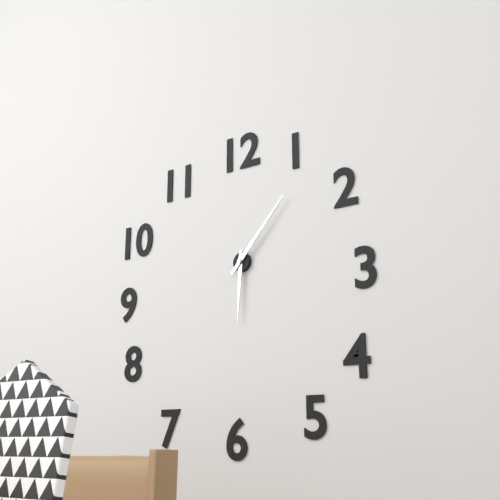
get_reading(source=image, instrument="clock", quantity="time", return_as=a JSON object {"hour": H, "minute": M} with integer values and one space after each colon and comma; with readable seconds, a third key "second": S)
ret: {"hour": 6, "minute": 7}
